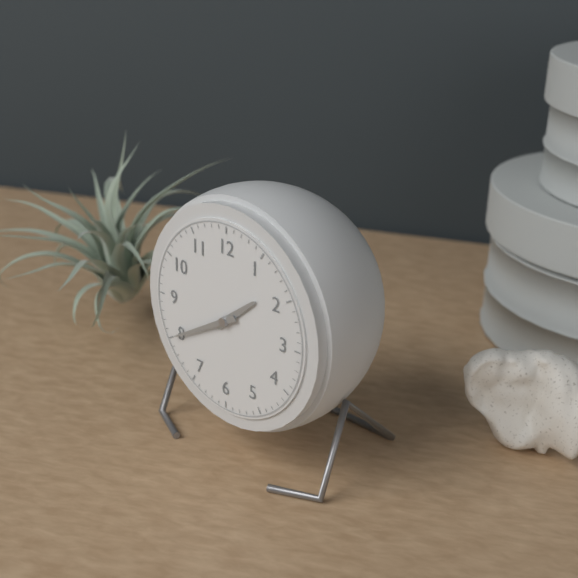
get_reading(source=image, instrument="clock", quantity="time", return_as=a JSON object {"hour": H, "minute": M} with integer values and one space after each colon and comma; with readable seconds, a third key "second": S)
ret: {"hour": 1, "minute": 40}
